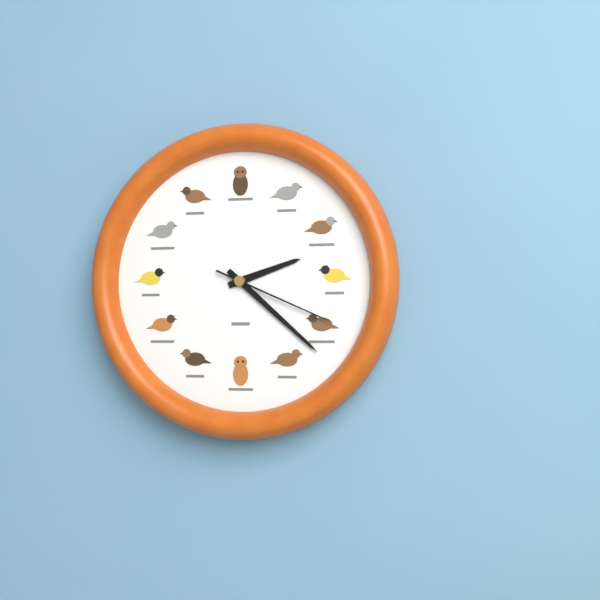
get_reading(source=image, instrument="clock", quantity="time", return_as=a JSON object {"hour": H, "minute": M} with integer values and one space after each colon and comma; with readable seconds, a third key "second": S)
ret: {"hour": 2, "minute": 22, "second": 19}
